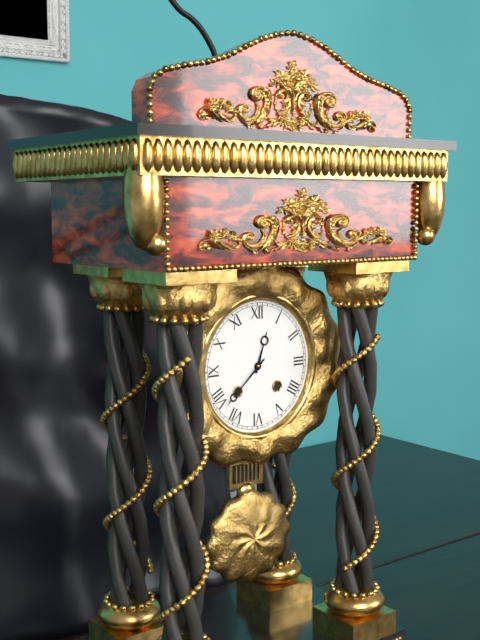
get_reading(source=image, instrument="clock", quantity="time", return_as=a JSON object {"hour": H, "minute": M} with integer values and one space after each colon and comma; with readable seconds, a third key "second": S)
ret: {"hour": 12, "minute": 38}
